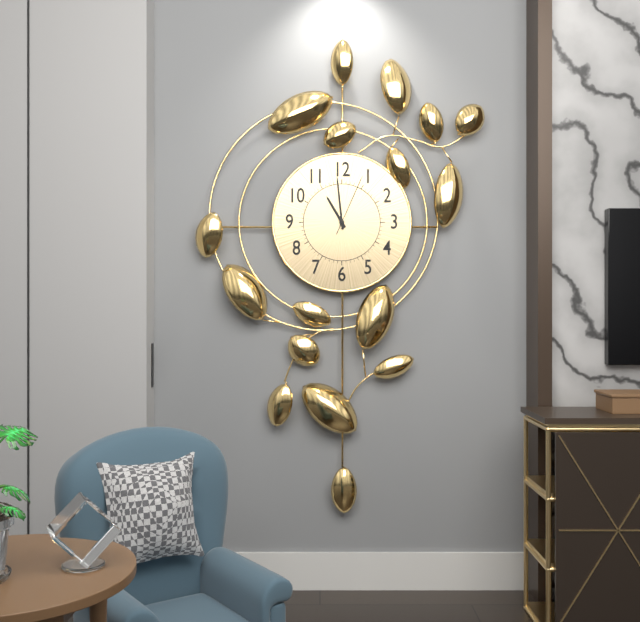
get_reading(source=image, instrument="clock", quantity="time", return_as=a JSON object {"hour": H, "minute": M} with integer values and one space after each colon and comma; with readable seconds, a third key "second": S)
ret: {"hour": 10, "minute": 59, "second": 4}
